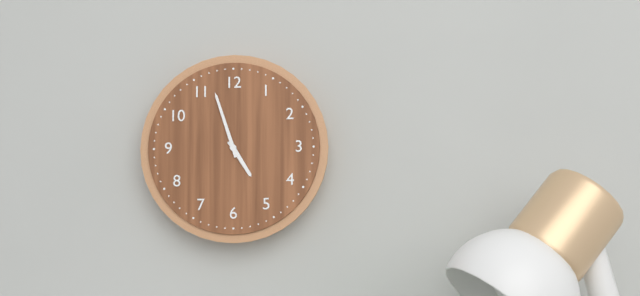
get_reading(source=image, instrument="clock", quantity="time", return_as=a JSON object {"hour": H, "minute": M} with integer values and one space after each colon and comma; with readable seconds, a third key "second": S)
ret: {"hour": 4, "minute": 57}
